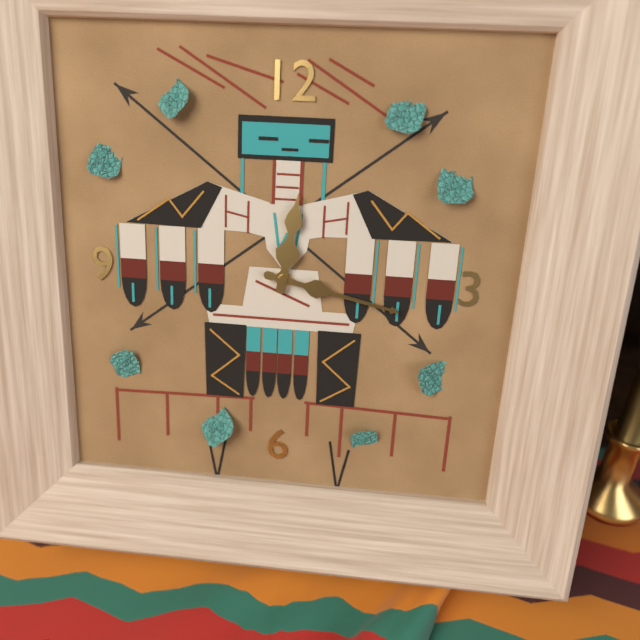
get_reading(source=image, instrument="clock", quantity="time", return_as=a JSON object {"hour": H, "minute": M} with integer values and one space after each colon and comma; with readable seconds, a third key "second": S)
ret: {"hour": 12, "minute": 17}
